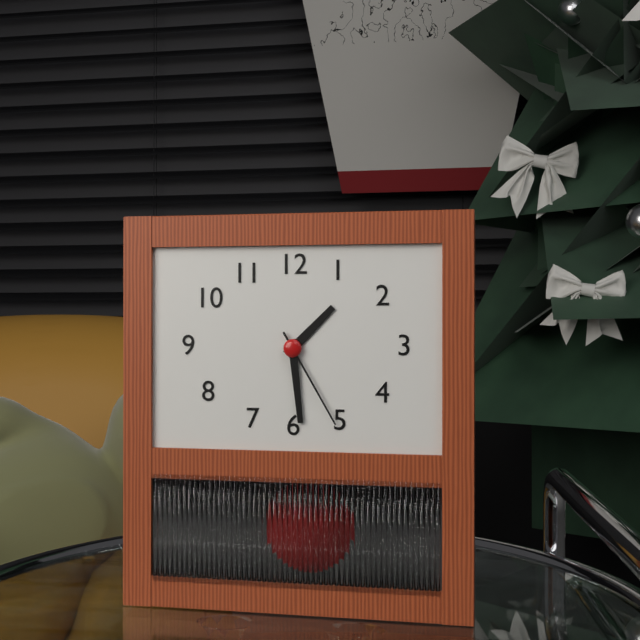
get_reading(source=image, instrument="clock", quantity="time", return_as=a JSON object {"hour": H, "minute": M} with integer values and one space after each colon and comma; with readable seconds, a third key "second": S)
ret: {"hour": 1, "minute": 29, "second": 25}
